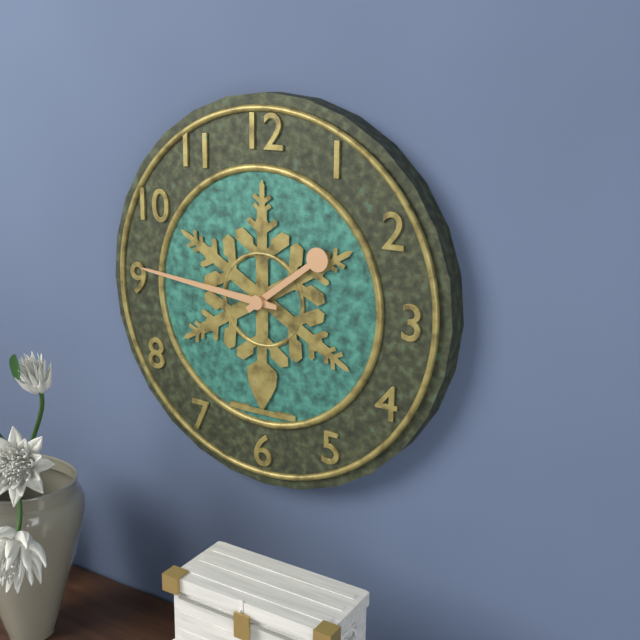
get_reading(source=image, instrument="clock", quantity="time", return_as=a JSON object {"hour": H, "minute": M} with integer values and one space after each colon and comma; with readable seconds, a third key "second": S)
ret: {"hour": 1, "minute": 46}
